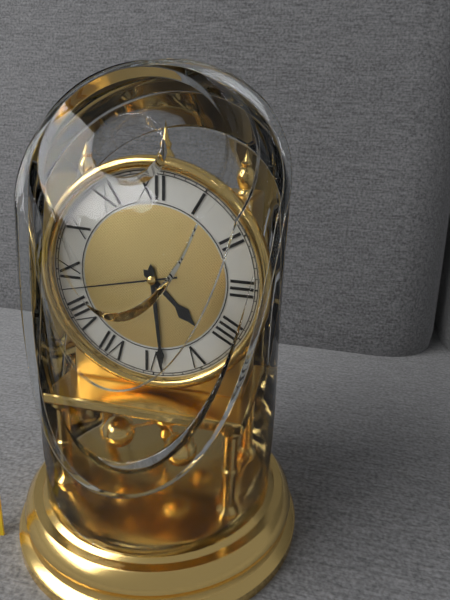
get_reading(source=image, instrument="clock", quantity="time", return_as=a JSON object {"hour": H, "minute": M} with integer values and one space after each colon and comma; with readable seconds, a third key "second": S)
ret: {"hour": 4, "minute": 29, "second": 43}
